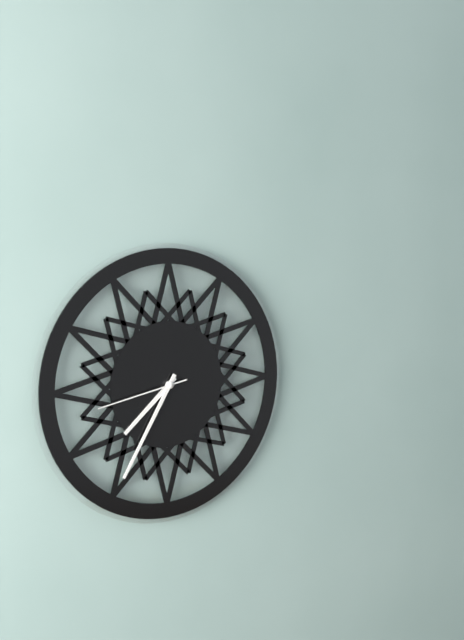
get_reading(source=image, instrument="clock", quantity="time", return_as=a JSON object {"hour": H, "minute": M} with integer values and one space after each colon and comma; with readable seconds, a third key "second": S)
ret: {"hour": 7, "minute": 35, "second": 43}
